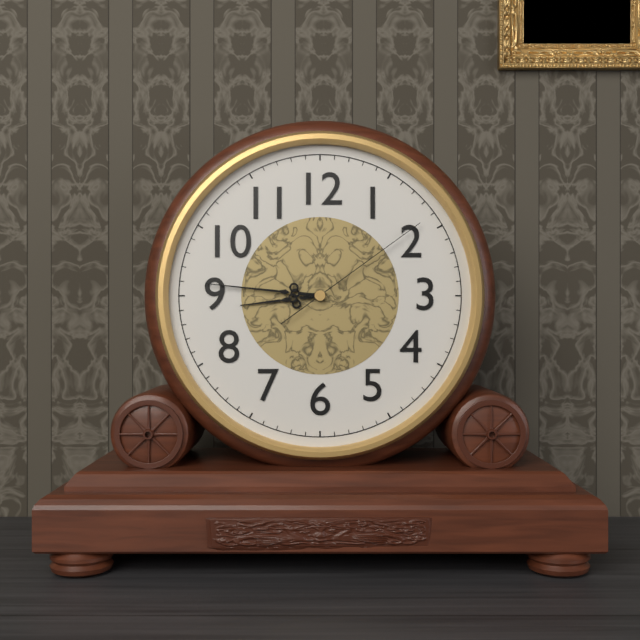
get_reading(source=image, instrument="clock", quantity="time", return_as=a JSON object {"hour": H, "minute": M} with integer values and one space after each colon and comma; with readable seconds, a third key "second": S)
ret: {"hour": 8, "minute": 46, "second": 9}
